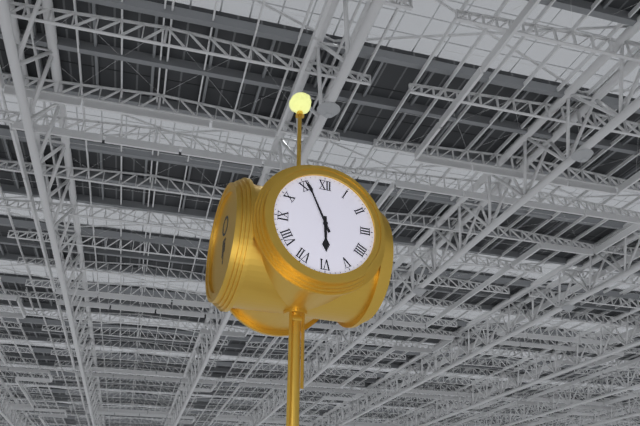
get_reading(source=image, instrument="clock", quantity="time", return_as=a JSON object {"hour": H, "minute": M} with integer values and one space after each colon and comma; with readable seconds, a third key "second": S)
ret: {"hour": 5, "minute": 56}
